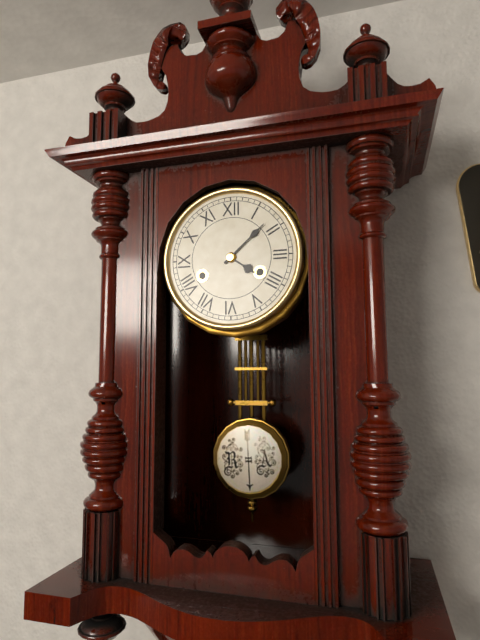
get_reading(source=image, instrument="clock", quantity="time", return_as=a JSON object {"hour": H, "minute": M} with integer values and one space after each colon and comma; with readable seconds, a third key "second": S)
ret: {"hour": 4, "minute": 8}
